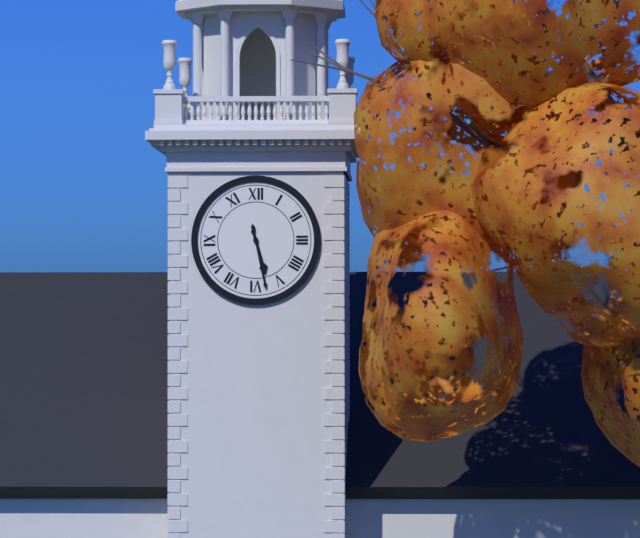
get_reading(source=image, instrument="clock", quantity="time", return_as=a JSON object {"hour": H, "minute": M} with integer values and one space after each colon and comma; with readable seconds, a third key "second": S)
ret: {"hour": 5, "minute": 28}
